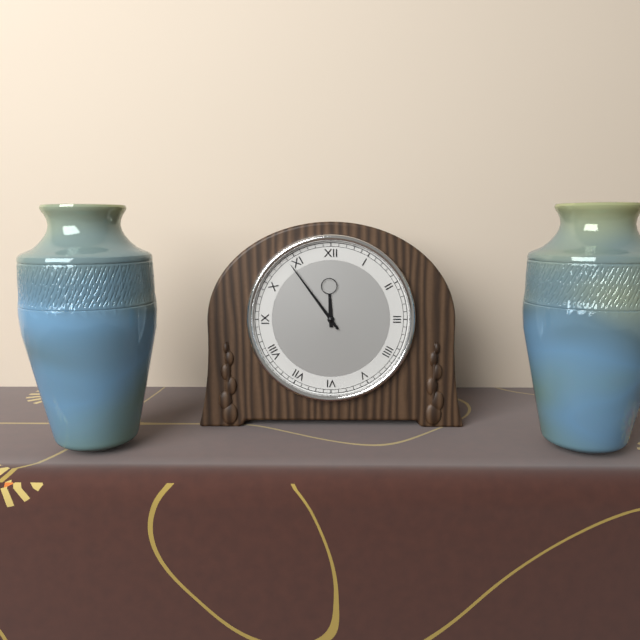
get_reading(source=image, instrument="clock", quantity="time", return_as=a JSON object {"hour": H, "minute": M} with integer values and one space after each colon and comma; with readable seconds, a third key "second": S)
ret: {"hour": 11, "minute": 54}
